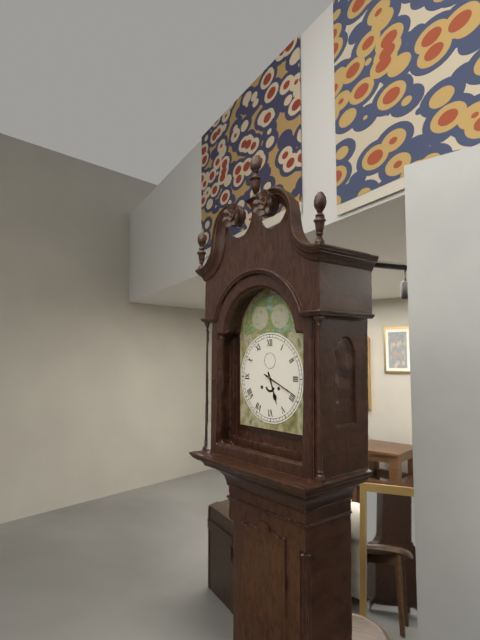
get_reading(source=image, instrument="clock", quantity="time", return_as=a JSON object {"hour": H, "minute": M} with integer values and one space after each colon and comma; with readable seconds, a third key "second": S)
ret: {"hour": 5, "minute": 19}
